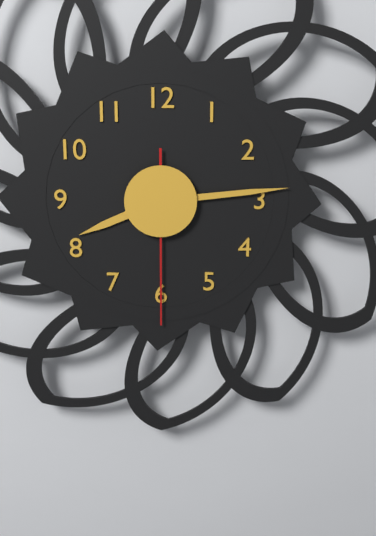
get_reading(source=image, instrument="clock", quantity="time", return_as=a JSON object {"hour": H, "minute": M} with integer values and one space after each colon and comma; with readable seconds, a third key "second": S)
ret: {"hour": 8, "minute": 14, "second": 30}
